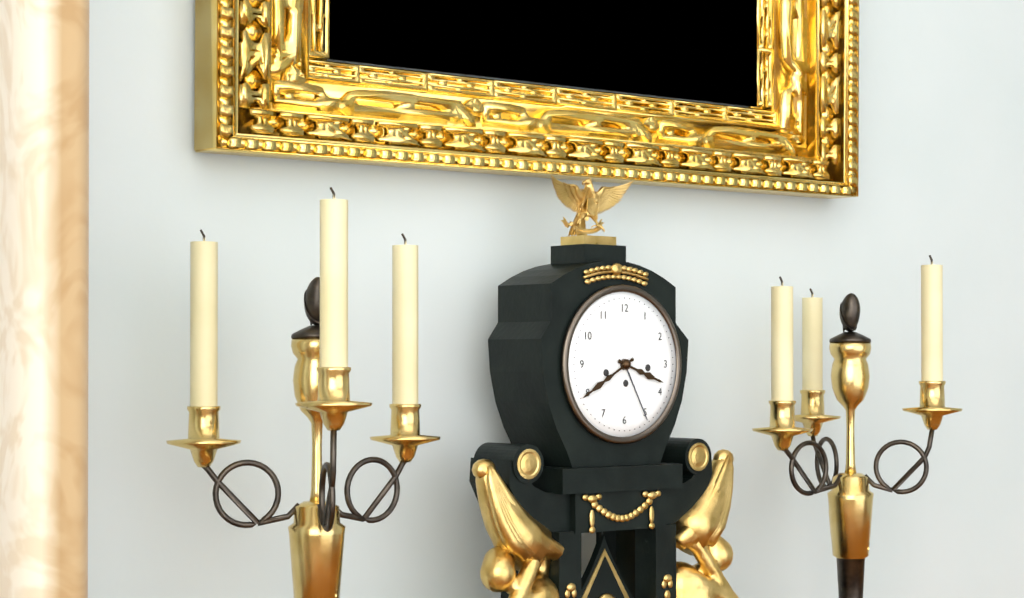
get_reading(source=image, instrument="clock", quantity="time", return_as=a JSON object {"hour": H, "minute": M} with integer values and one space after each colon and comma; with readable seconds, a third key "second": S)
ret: {"hour": 3, "minute": 40}
